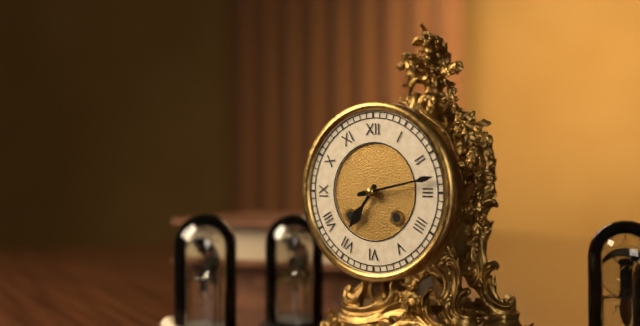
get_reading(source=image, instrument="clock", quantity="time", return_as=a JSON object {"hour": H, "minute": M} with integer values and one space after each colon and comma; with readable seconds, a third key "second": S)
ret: {"hour": 7, "minute": 13}
